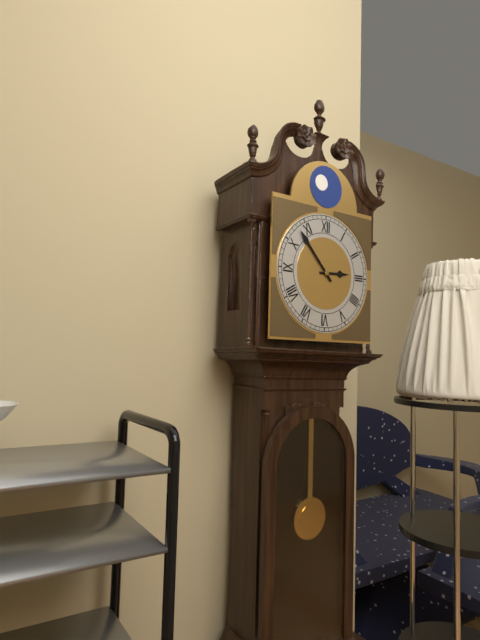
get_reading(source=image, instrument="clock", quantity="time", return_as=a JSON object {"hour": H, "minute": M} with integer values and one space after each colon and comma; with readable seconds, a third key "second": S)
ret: {"hour": 2, "minute": 53}
